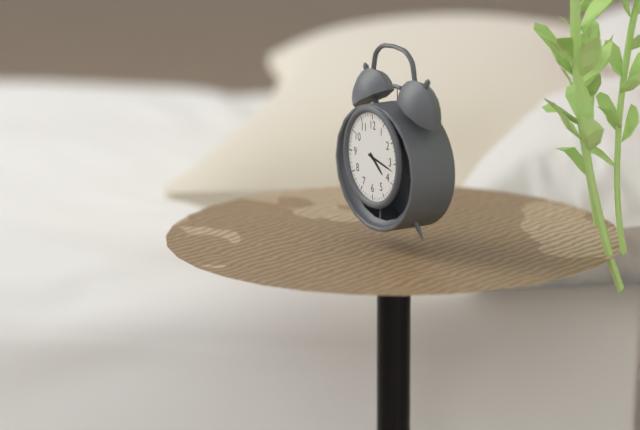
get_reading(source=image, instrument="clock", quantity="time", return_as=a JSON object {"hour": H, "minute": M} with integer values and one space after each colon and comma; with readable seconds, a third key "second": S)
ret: {"hour": 4, "minute": 17}
